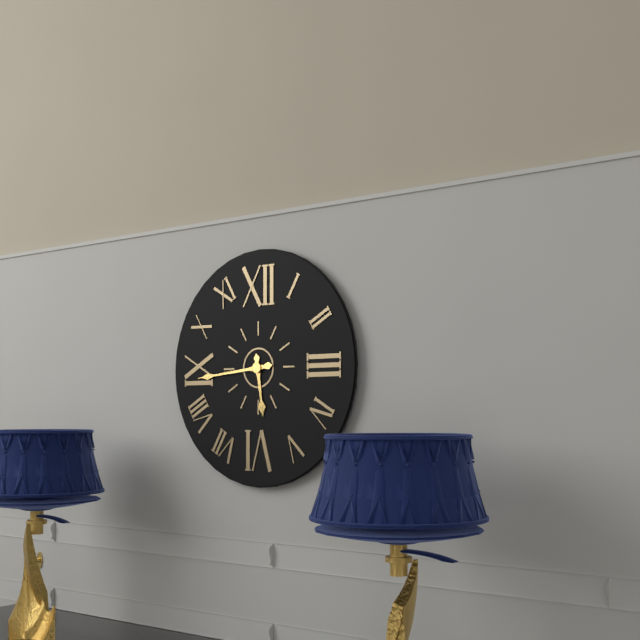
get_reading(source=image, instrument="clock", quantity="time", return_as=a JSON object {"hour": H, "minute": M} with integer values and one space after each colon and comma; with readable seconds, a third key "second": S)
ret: {"hour": 5, "minute": 44}
